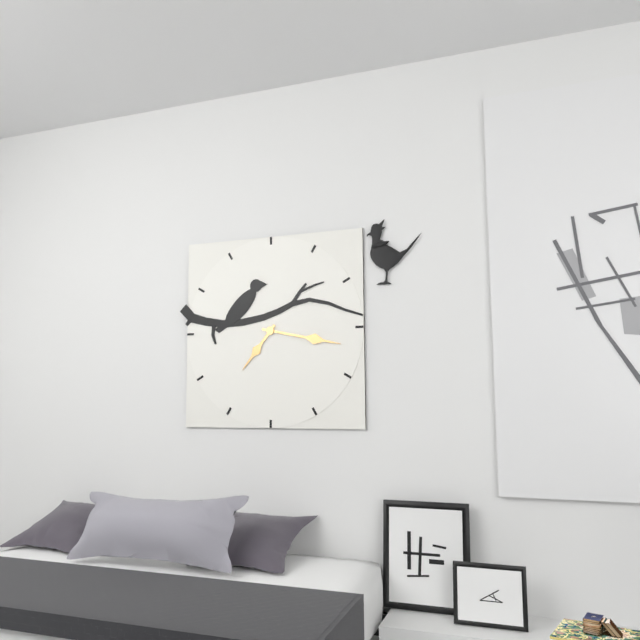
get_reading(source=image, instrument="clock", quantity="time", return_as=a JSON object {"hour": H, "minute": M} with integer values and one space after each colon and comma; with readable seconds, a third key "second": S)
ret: {"hour": 7, "minute": 17}
